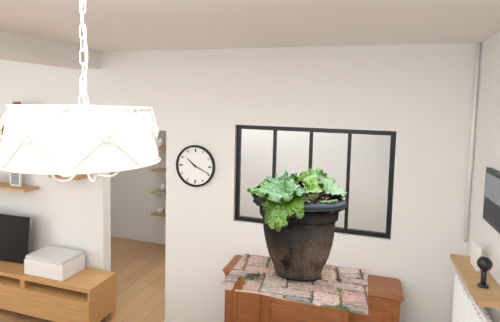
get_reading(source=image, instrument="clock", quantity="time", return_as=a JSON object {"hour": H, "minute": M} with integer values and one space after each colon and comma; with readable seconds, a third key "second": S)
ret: {"hour": 10, "minute": 19}
